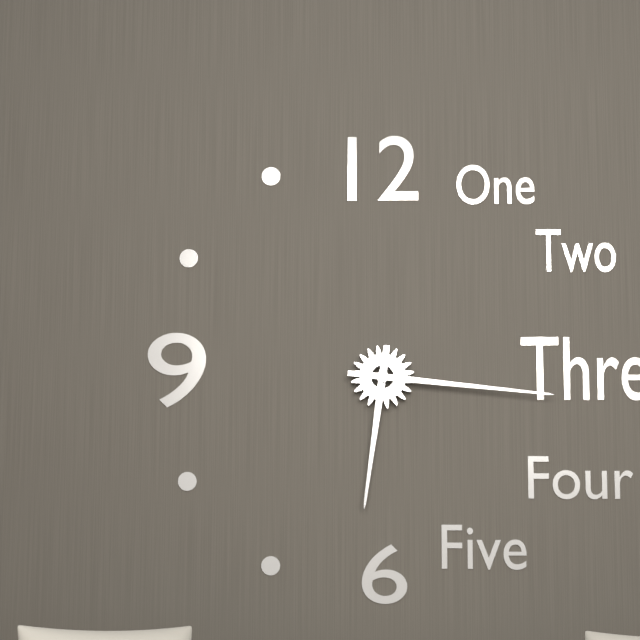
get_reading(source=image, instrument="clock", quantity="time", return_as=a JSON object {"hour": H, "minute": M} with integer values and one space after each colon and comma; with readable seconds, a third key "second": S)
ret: {"hour": 6, "minute": 16}
